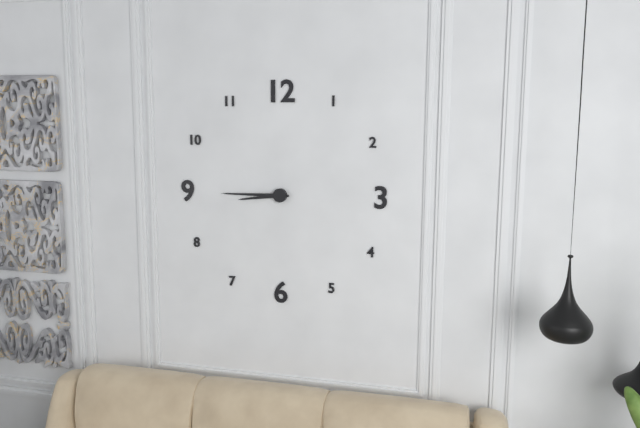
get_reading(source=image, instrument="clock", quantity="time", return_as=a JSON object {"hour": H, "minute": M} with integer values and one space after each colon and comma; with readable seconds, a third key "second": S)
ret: {"hour": 8, "minute": 45}
